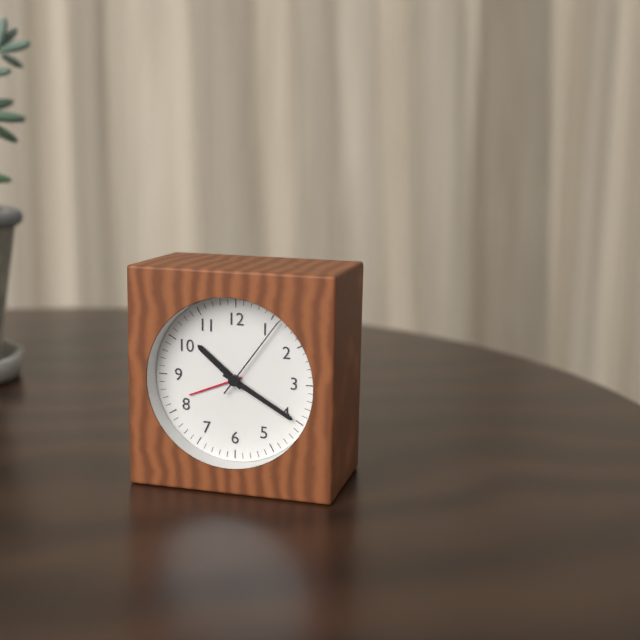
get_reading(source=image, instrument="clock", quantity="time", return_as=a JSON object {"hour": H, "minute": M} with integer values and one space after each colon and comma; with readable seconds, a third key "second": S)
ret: {"hour": 10, "minute": 20, "second": 6}
